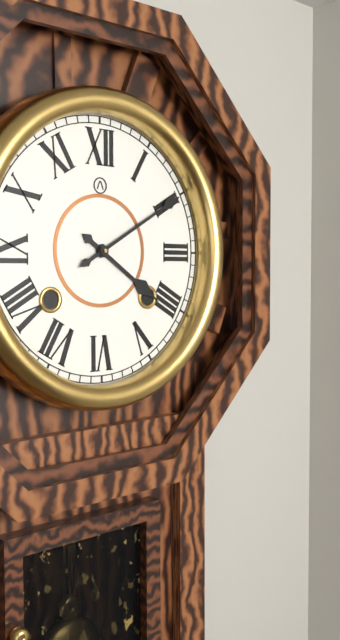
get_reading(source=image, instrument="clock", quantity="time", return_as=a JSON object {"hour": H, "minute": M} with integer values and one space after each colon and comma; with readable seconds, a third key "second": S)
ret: {"hour": 4, "minute": 10}
